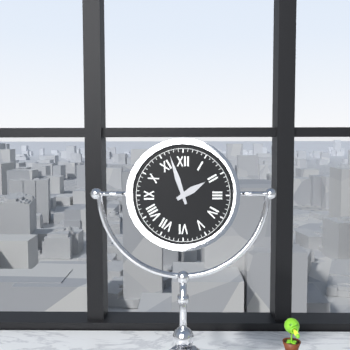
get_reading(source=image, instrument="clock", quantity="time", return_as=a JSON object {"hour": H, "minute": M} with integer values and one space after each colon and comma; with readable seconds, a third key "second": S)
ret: {"hour": 1, "minute": 57}
